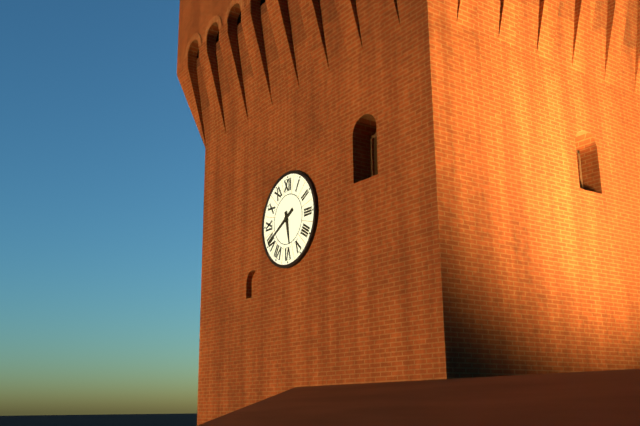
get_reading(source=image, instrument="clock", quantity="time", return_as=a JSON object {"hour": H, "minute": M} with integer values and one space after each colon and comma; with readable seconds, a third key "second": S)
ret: {"hour": 5, "minute": 40}
